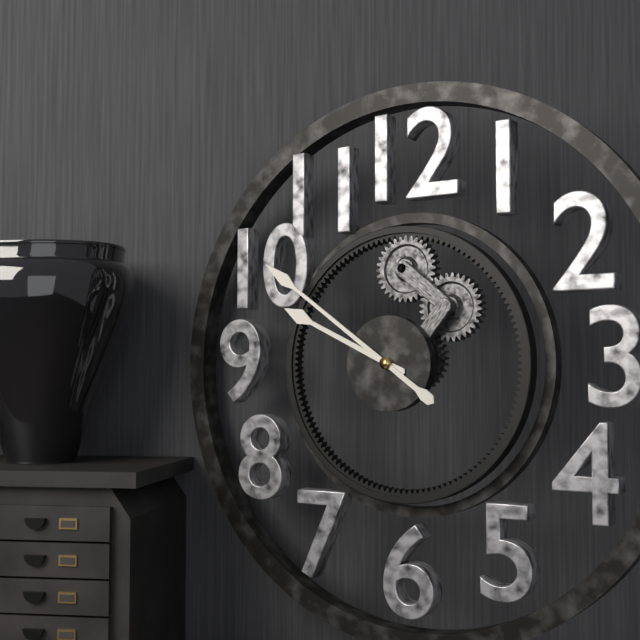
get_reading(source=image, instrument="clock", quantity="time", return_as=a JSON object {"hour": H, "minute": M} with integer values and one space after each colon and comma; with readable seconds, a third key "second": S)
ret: {"hour": 9, "minute": 51}
